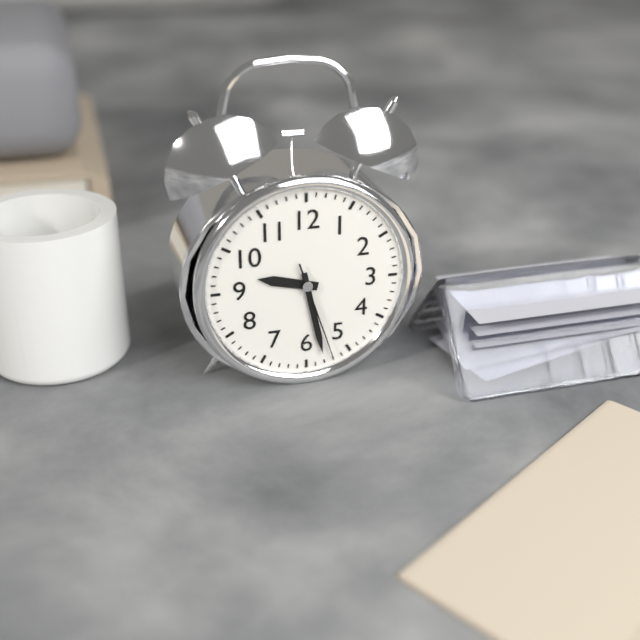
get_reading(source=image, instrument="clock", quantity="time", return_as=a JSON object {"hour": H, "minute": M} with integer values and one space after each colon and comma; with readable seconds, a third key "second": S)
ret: {"hour": 9, "minute": 28, "second": 27}
